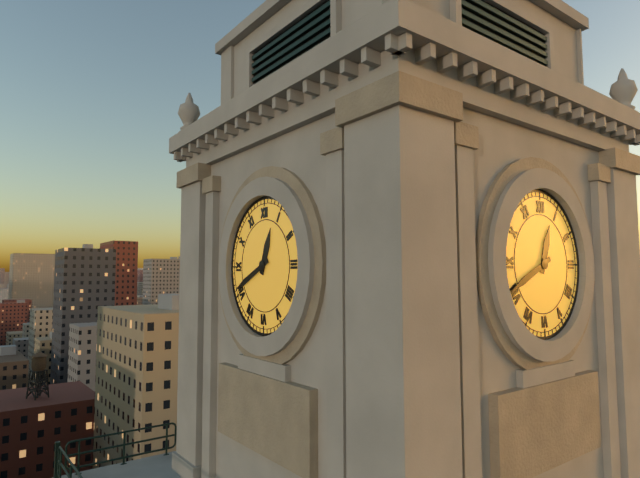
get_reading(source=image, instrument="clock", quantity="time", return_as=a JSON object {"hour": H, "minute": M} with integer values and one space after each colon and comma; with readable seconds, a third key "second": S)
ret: {"hour": 12, "minute": 41}
